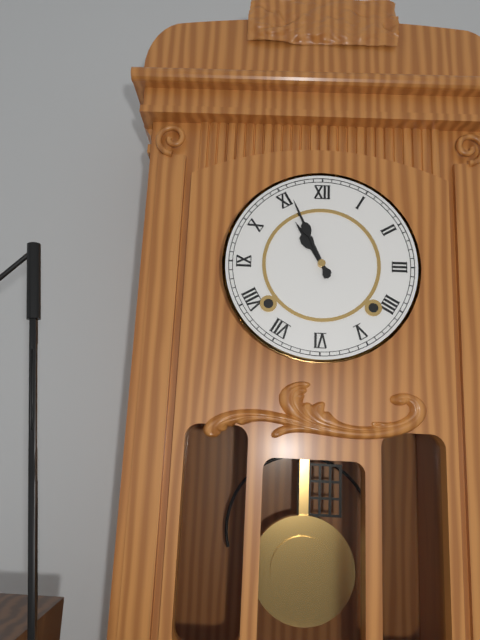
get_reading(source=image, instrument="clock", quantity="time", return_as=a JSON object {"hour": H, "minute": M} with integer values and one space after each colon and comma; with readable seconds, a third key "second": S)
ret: {"hour": 10, "minute": 56}
